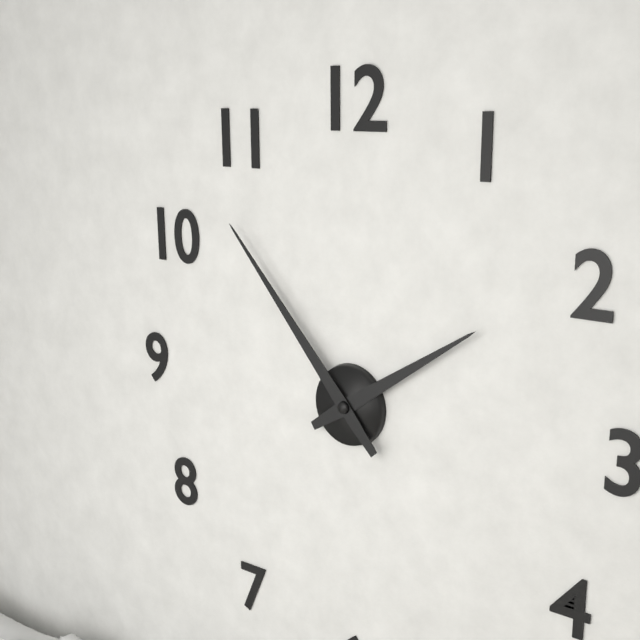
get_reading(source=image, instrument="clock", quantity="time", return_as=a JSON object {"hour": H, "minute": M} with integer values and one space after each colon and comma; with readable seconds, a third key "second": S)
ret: {"hour": 1, "minute": 53}
